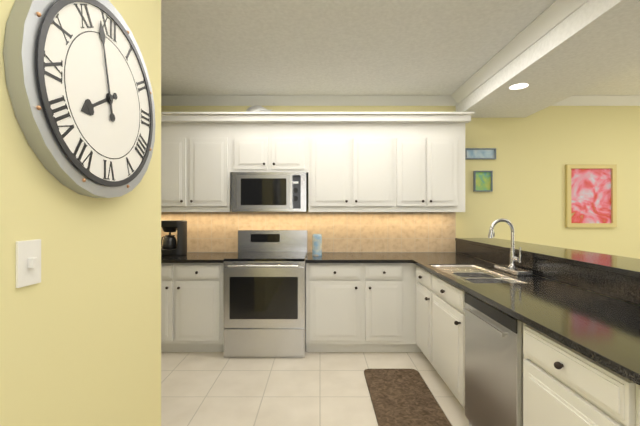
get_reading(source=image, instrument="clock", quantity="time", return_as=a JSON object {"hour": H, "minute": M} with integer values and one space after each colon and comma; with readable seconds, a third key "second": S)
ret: {"hour": 7, "minute": 58}
